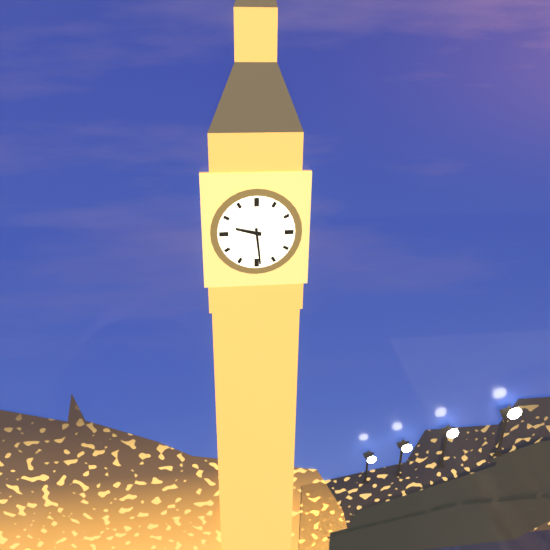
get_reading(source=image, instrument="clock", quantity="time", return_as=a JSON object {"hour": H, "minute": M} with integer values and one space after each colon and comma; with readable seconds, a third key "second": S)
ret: {"hour": 9, "minute": 29}
